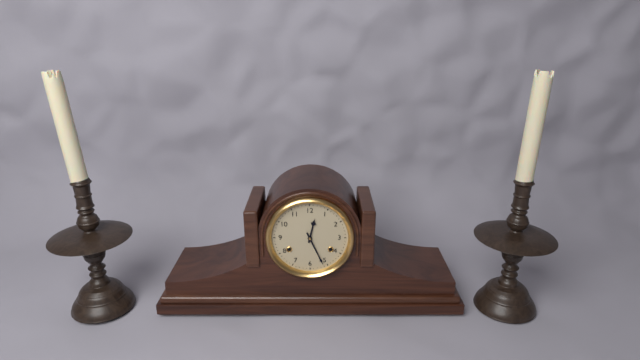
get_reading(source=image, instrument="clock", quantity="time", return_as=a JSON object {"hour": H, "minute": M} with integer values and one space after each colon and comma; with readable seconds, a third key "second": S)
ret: {"hour": 12, "minute": 26}
